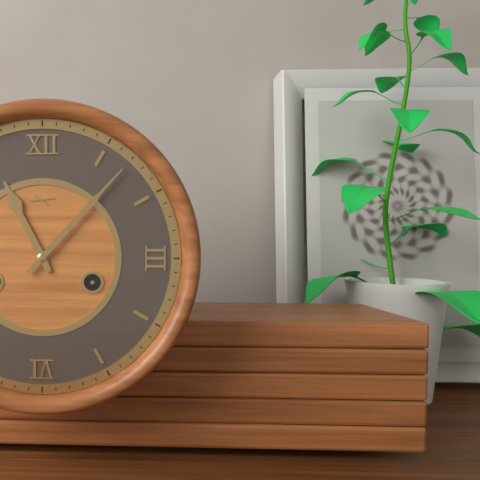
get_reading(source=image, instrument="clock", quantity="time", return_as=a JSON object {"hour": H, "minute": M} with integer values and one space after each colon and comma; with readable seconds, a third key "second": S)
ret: {"hour": 11, "minute": 7}
